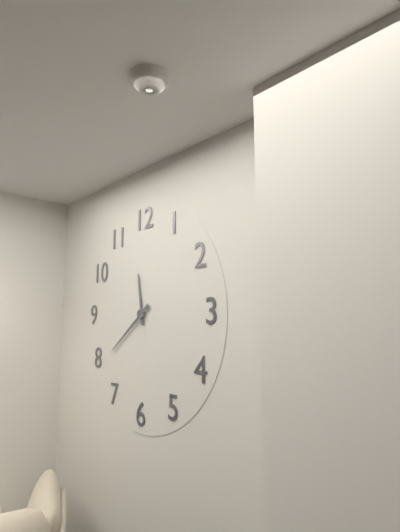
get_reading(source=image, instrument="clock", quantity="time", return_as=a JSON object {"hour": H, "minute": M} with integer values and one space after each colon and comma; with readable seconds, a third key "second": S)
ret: {"hour": 11, "minute": 39}
